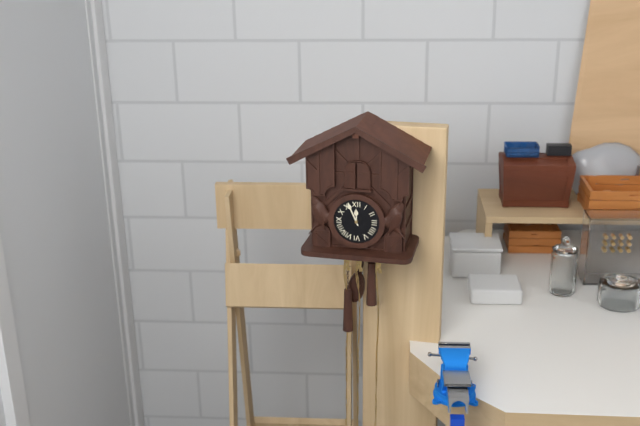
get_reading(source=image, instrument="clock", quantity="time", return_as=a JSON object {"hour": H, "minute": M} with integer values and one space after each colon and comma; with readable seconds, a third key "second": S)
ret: {"hour": 11, "minute": 56}
